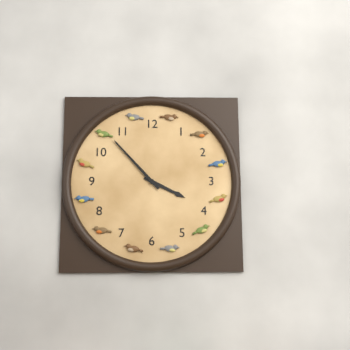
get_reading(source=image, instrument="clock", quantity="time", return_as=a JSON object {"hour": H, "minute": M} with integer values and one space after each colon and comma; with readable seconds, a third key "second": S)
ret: {"hour": 3, "minute": 53}
